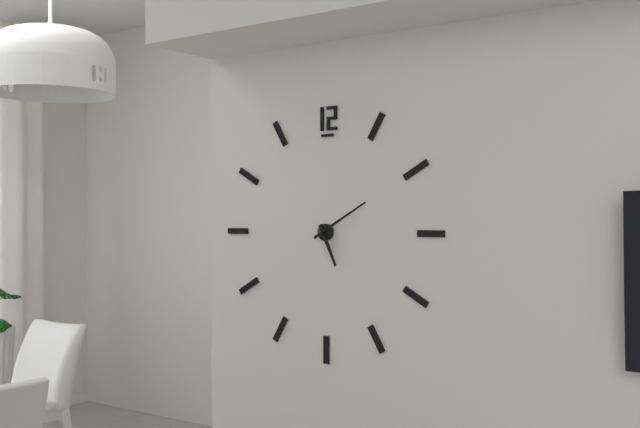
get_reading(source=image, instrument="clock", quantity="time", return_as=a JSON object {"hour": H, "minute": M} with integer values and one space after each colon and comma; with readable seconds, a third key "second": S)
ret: {"hour": 5, "minute": 10}
